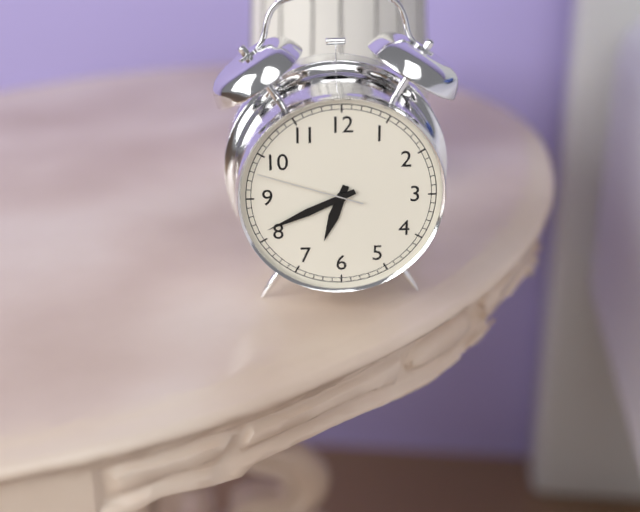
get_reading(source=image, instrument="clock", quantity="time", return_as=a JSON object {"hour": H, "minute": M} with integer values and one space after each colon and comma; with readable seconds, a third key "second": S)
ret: {"hour": 6, "minute": 41, "second": 48}
